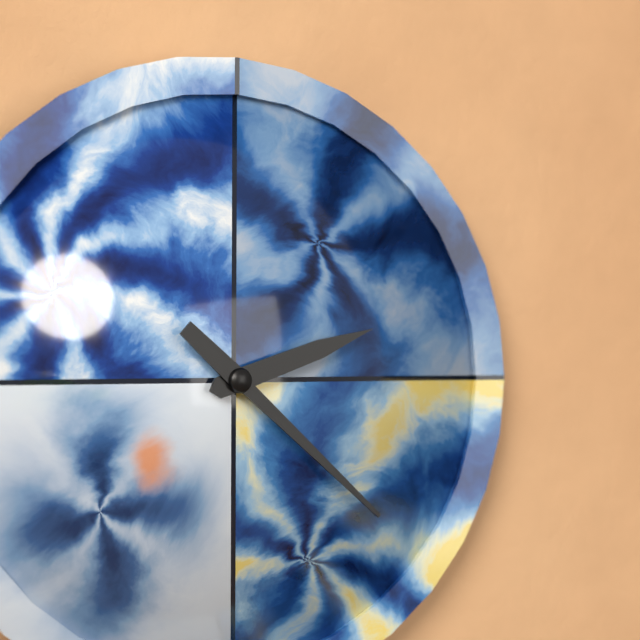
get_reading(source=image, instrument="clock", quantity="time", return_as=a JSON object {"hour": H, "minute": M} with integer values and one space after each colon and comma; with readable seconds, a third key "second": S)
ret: {"hour": 2, "minute": 22}
